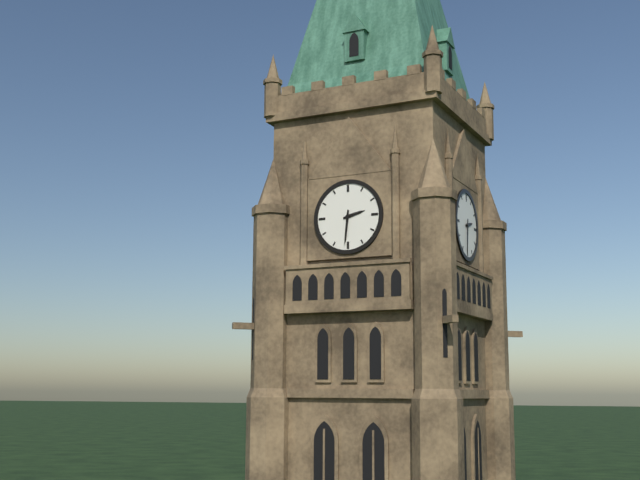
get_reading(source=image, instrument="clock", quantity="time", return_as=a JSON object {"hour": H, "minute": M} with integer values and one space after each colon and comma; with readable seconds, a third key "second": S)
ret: {"hour": 2, "minute": 31}
